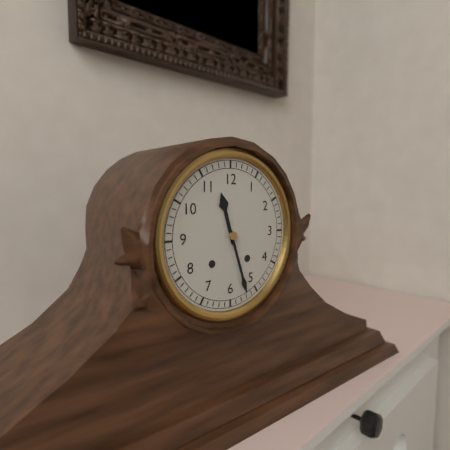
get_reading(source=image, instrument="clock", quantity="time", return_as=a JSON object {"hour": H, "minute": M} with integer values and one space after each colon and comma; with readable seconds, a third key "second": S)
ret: {"hour": 11, "minute": 27}
